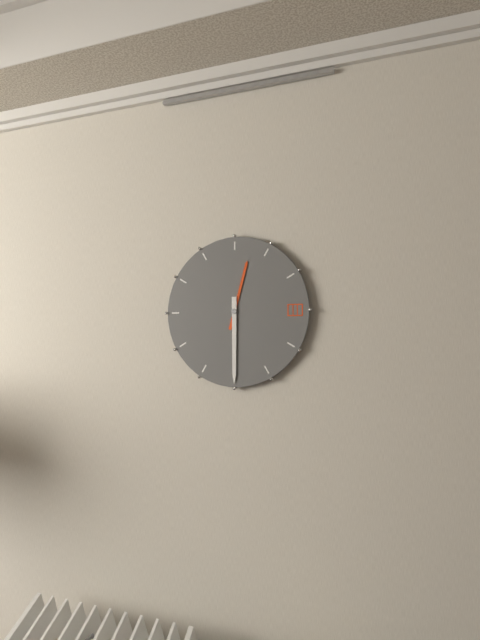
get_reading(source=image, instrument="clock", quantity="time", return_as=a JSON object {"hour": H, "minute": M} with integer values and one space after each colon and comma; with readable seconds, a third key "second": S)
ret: {"hour": 12, "minute": 30}
